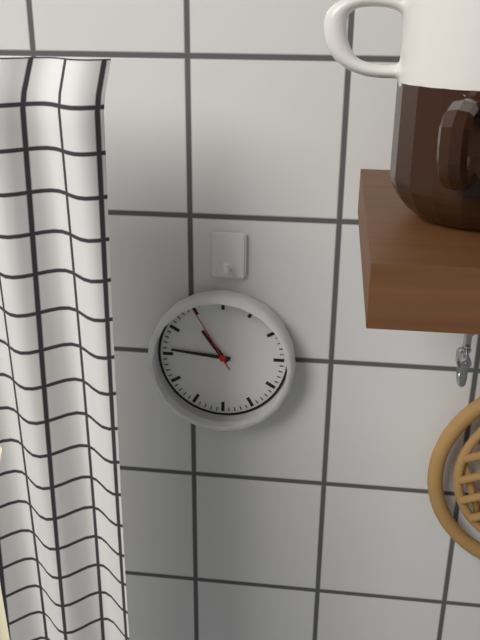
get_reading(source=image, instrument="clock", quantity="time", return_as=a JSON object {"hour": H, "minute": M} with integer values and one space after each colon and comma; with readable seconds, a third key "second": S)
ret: {"hour": 10, "minute": 46, "second": 55}
